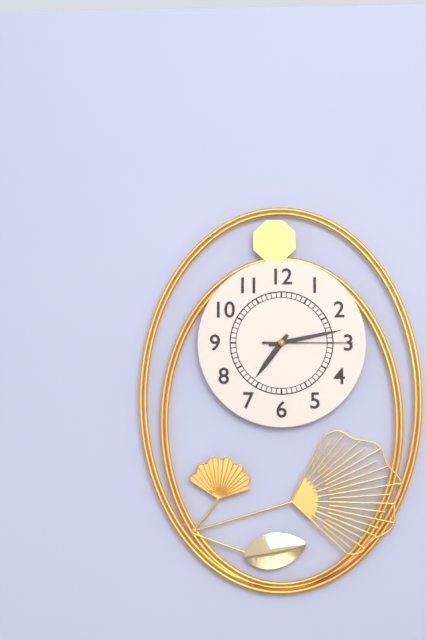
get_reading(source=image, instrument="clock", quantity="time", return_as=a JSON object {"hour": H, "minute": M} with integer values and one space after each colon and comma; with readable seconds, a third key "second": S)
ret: {"hour": 7, "minute": 13, "second": 15}
